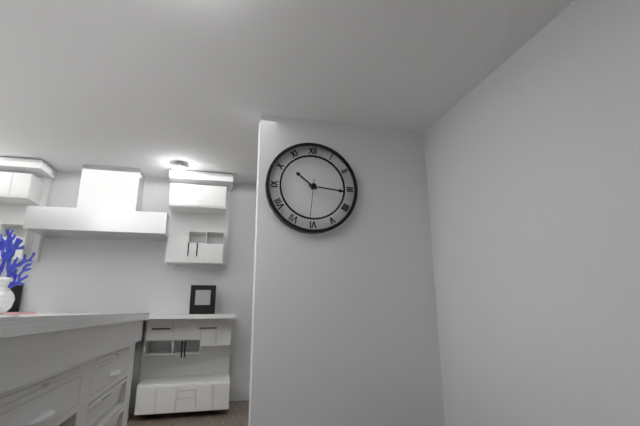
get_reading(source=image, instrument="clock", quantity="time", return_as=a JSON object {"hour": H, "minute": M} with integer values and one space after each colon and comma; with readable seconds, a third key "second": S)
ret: {"hour": 10, "minute": 16}
